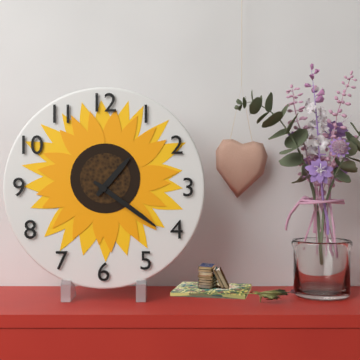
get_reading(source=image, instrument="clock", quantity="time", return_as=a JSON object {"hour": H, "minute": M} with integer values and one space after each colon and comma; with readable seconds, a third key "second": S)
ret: {"hour": 1, "minute": 21}
